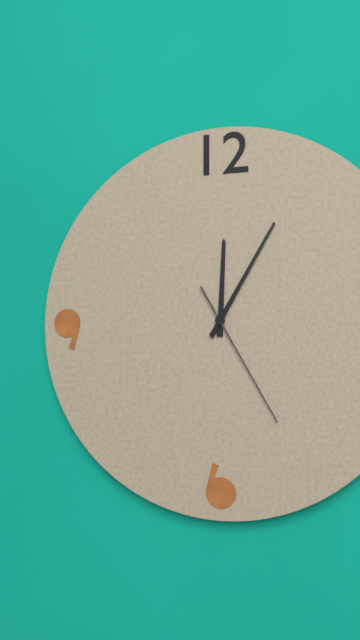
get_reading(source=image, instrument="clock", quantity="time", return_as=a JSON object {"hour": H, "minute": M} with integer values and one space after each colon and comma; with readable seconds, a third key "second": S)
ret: {"hour": 12, "minute": 5, "second": 25}
